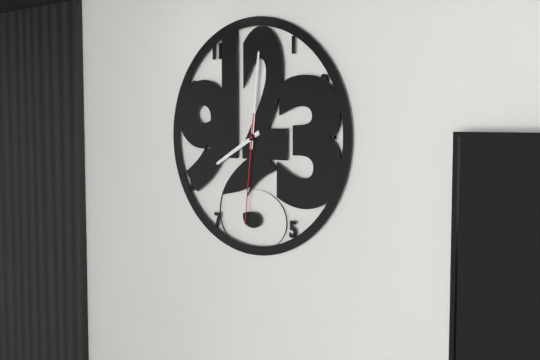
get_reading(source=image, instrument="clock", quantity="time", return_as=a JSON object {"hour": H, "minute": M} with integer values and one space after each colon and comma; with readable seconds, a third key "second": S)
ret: {"hour": 8, "minute": 1, "second": 31}
